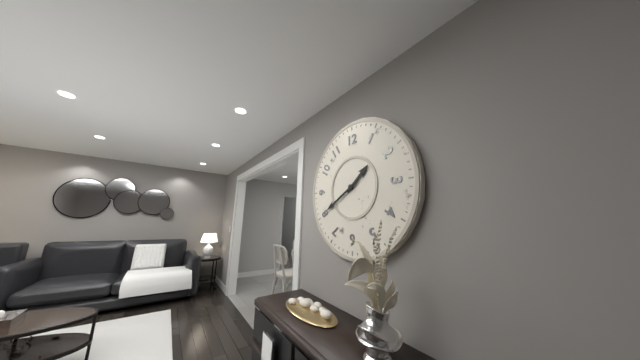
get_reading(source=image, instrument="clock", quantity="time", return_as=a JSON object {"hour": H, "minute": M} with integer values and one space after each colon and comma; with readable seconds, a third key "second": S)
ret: {"hour": 1, "minute": 40}
